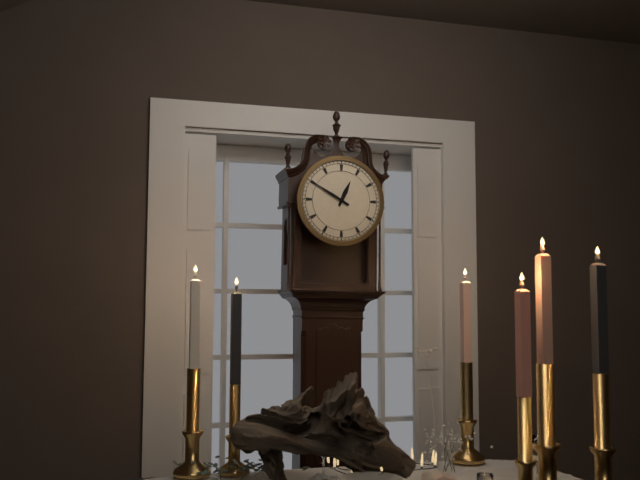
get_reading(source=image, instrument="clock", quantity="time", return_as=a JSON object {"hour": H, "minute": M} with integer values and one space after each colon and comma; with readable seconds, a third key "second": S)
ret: {"hour": 12, "minute": 50}
